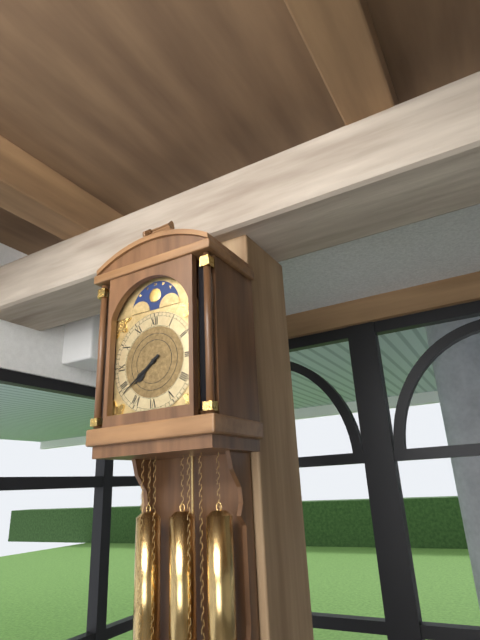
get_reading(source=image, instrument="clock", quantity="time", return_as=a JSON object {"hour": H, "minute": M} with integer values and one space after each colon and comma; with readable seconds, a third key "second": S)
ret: {"hour": 7, "minute": 39}
